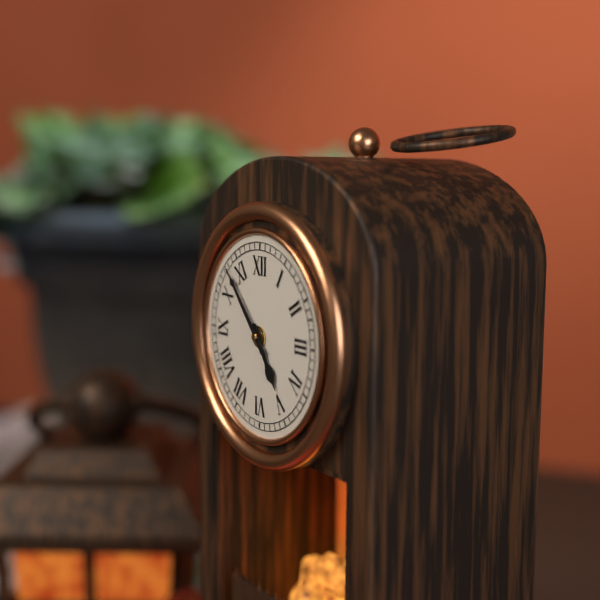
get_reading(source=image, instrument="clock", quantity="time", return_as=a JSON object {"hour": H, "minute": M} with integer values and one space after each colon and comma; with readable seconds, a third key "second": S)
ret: {"hour": 4, "minute": 53}
